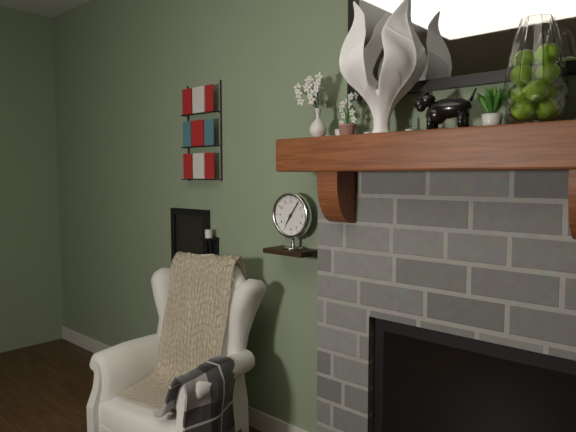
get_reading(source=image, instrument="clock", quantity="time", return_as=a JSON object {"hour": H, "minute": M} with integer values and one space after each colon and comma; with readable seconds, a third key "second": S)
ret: {"hour": 7, "minute": 6}
